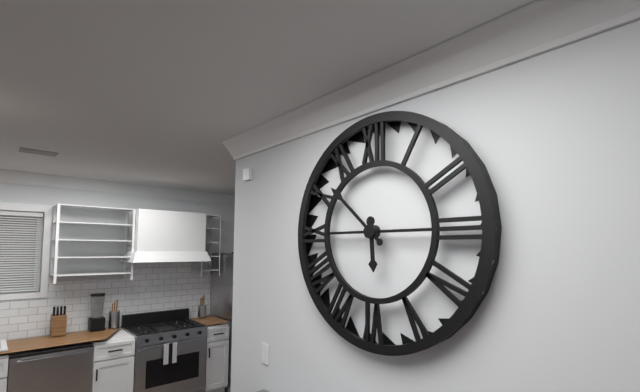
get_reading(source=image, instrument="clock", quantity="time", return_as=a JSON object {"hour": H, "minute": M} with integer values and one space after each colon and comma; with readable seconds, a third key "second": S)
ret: {"hour": 5, "minute": 52}
